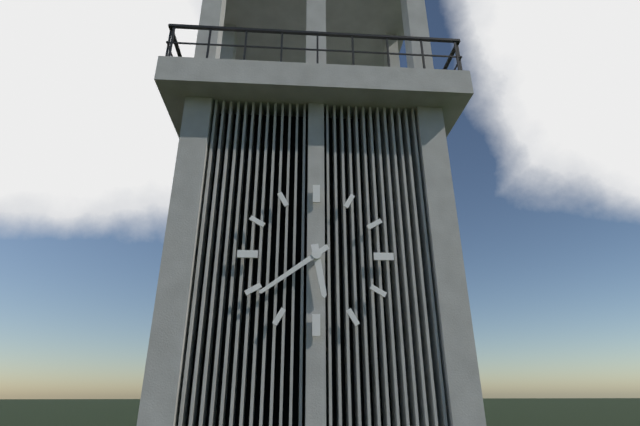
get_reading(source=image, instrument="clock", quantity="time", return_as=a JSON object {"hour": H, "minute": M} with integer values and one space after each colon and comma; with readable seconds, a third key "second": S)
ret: {"hour": 5, "minute": 39}
